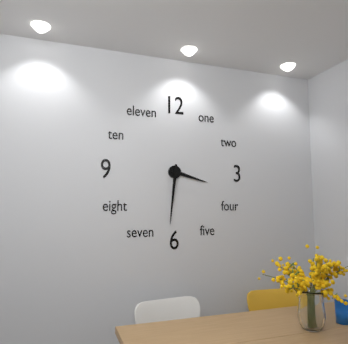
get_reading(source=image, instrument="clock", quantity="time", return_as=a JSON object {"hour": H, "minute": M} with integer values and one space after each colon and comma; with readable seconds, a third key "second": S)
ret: {"hour": 3, "minute": 31}
